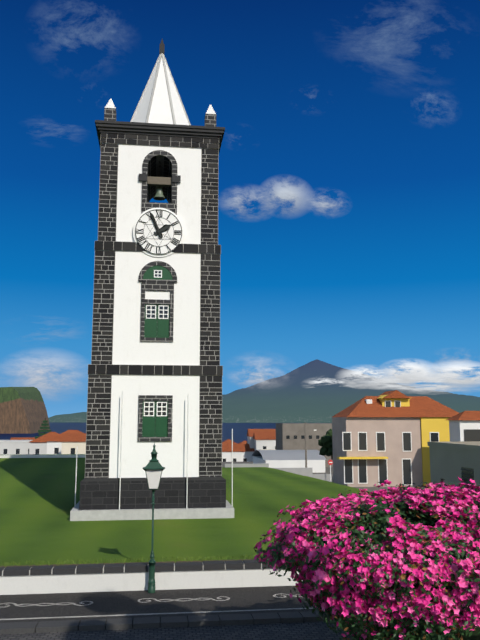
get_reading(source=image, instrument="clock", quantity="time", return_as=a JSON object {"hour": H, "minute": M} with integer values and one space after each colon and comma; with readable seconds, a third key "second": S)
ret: {"hour": 1, "minute": 56}
